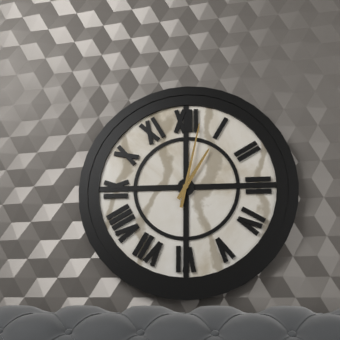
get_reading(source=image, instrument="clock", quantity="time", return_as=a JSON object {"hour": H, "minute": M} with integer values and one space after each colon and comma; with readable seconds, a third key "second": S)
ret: {"hour": 1, "minute": 2}
